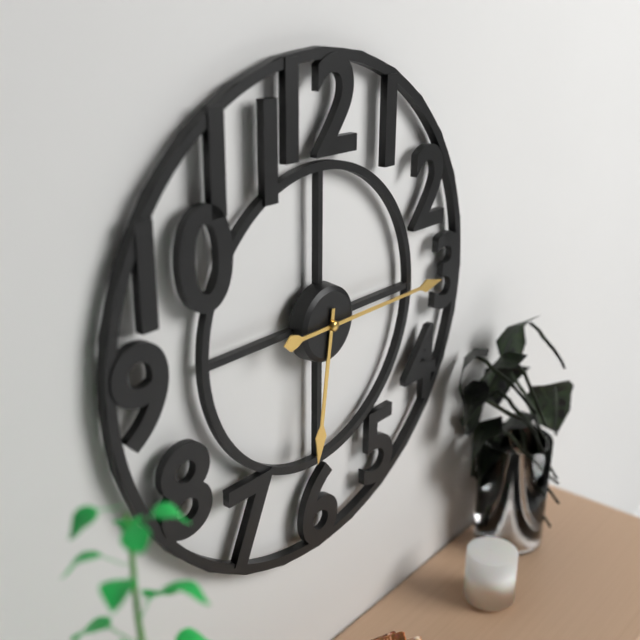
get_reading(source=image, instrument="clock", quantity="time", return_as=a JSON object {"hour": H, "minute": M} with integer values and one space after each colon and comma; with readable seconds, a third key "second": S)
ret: {"hour": 6, "minute": 15}
